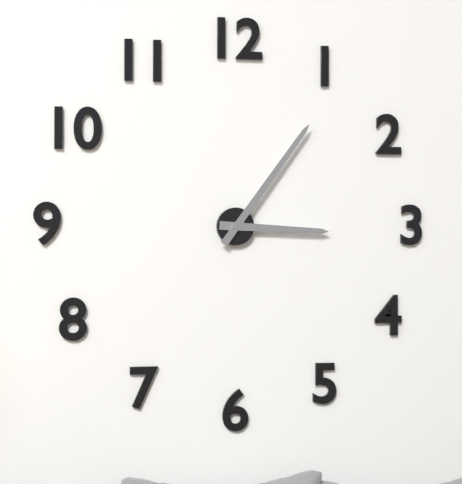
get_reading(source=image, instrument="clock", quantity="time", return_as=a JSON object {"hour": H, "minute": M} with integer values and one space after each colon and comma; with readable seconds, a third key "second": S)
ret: {"hour": 3, "minute": 6}
